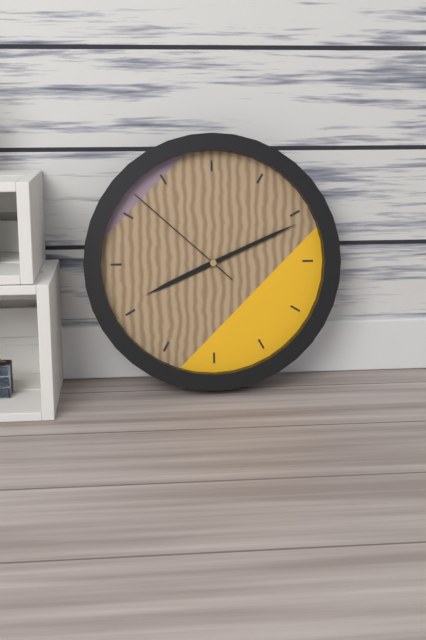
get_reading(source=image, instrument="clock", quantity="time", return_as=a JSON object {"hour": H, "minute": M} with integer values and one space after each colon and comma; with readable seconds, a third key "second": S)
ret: {"hour": 8, "minute": 11, "second": 52}
